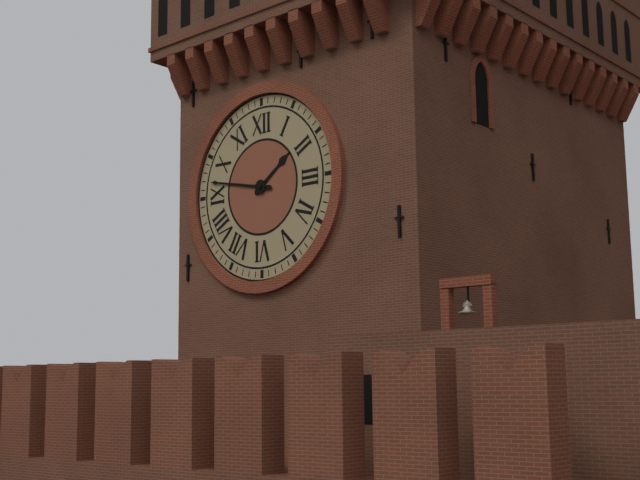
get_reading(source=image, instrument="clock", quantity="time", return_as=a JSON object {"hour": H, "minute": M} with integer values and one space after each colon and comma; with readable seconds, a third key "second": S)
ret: {"hour": 1, "minute": 47}
